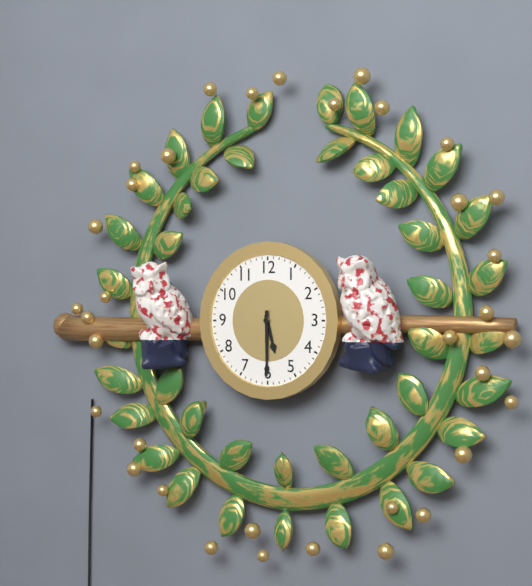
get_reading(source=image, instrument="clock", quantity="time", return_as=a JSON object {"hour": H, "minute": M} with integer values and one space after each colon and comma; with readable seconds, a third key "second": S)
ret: {"hour": 5, "minute": 30}
